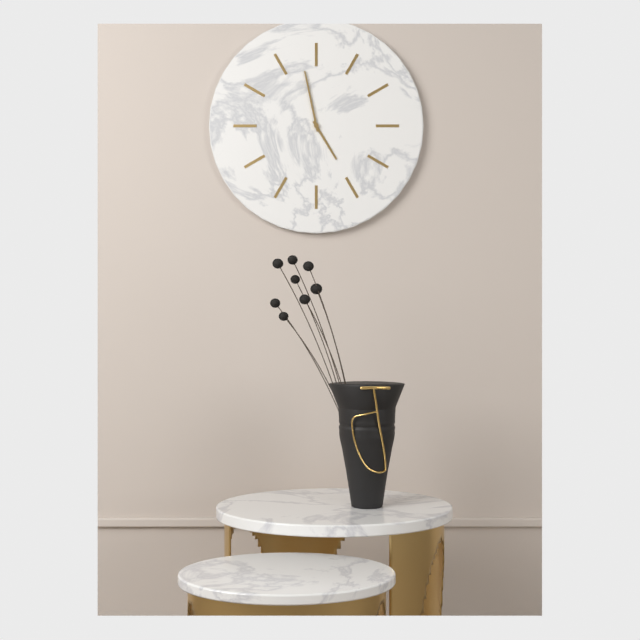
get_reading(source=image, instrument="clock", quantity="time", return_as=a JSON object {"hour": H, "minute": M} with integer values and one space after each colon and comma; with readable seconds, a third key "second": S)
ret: {"hour": 4, "minute": 58}
